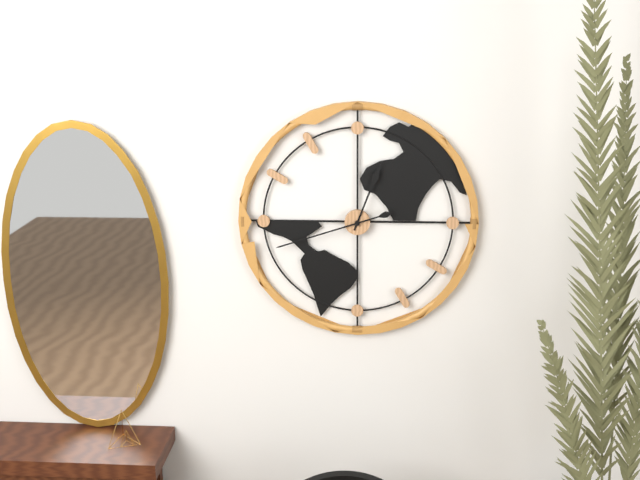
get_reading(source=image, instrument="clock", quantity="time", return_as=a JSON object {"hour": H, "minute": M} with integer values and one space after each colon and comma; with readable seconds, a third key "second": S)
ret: {"hour": 12, "minute": 42}
